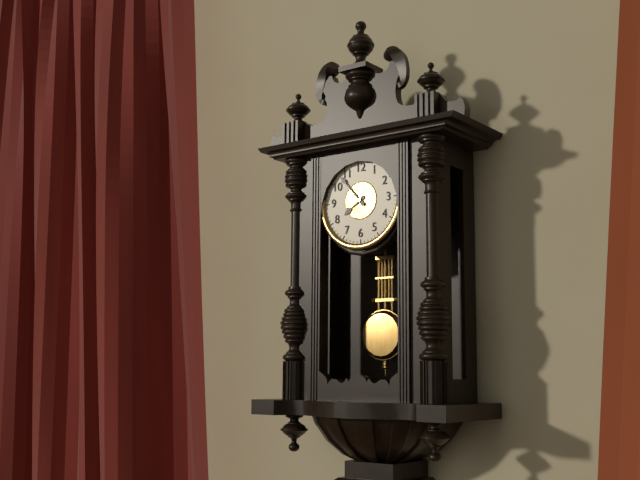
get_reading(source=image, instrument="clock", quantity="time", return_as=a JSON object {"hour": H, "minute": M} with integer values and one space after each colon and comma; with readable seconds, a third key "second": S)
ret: {"hour": 7, "minute": 53}
